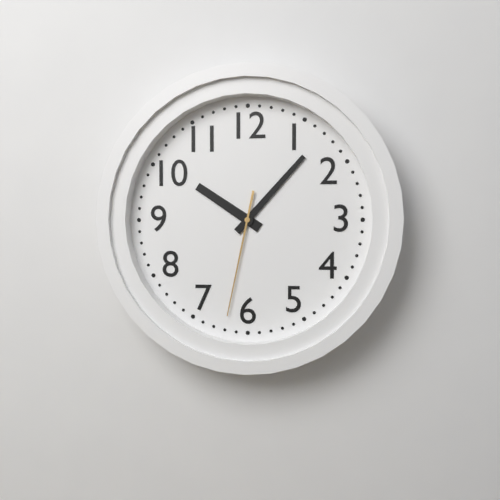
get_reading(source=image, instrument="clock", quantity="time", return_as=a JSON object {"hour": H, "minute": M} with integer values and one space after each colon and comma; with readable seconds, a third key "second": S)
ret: {"hour": 10, "minute": 7, "second": 32}
